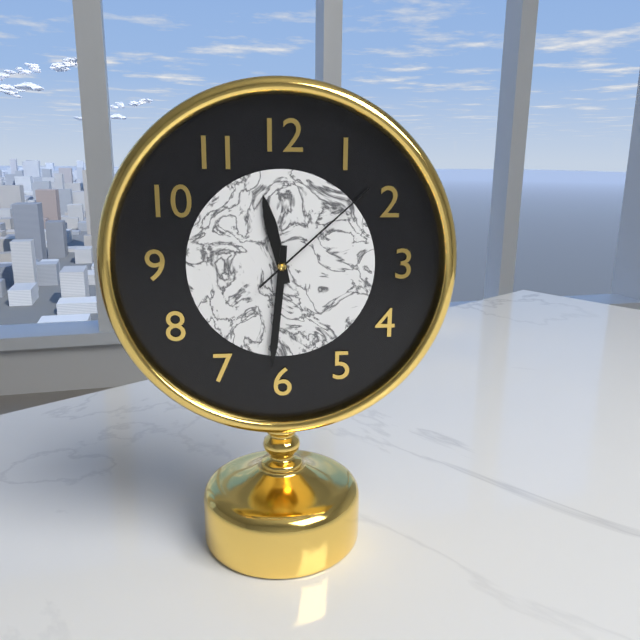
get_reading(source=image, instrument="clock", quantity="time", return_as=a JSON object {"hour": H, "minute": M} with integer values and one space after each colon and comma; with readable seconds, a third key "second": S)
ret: {"hour": 11, "minute": 31, "second": 8}
